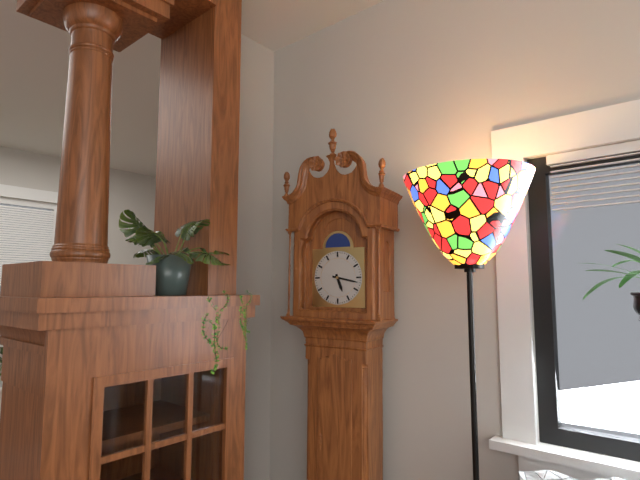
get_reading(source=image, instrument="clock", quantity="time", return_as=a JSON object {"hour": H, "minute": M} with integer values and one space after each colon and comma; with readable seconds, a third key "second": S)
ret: {"hour": 5, "minute": 17}
